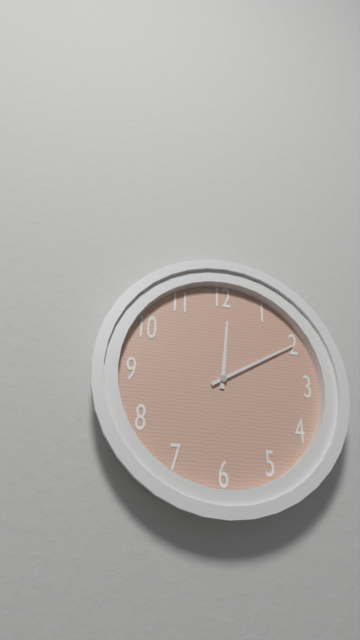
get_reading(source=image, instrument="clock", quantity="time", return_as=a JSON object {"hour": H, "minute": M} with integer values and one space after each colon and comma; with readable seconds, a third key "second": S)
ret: {"hour": 12, "minute": 10}
